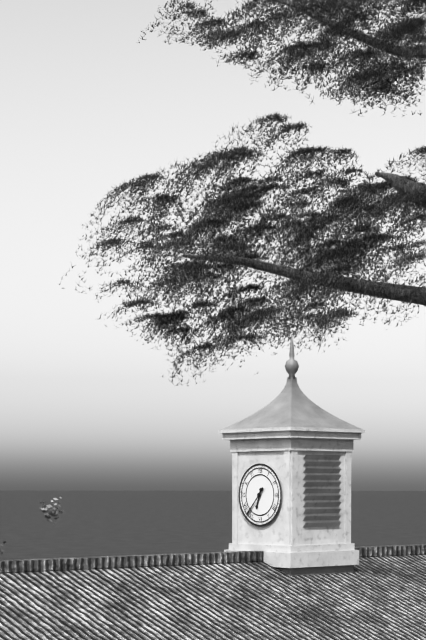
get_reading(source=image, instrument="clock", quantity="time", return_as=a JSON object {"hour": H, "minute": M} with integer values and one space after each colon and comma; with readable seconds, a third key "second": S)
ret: {"hour": 6, "minute": 37}
